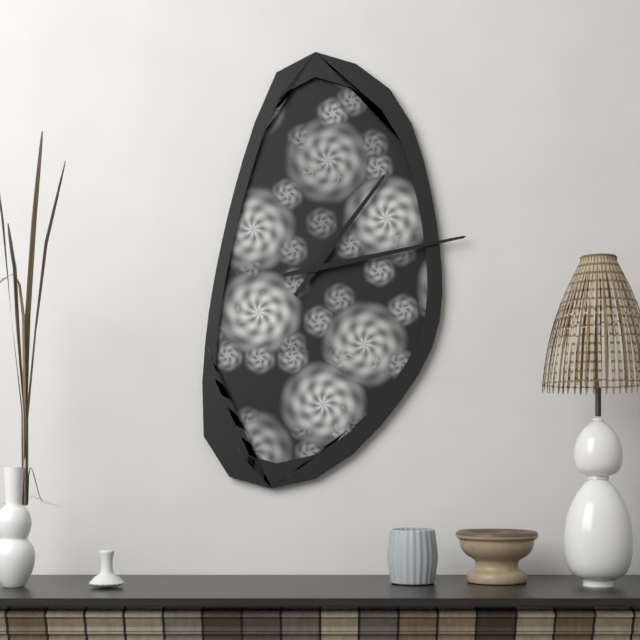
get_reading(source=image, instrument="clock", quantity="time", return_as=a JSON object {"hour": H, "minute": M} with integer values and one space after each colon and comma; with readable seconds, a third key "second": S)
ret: {"hour": 1, "minute": 13}
